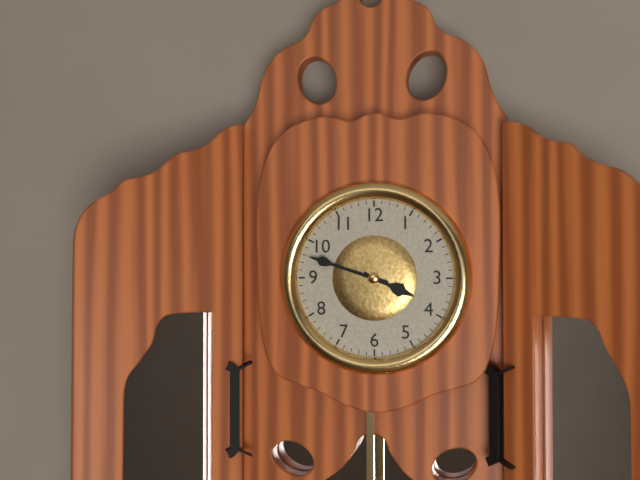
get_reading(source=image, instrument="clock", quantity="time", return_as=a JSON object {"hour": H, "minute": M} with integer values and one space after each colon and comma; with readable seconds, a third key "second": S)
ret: {"hour": 3, "minute": 48}
